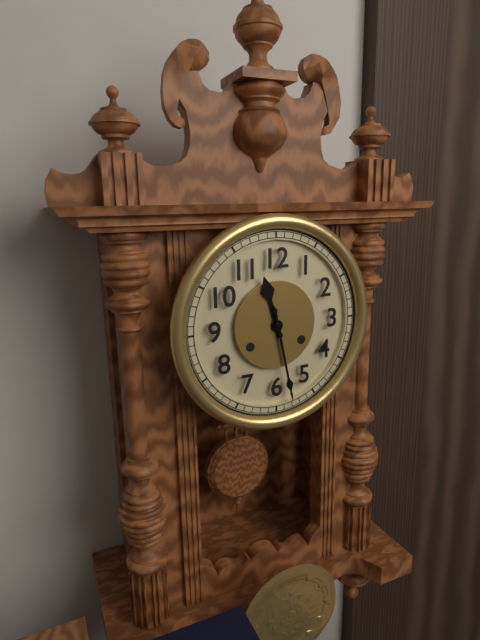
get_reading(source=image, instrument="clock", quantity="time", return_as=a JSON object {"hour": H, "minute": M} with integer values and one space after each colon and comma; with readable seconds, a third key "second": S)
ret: {"hour": 11, "minute": 28}
